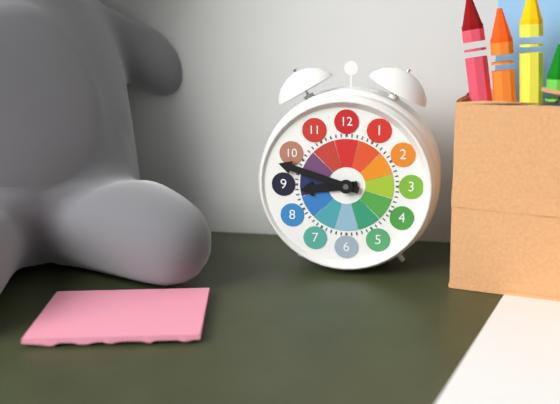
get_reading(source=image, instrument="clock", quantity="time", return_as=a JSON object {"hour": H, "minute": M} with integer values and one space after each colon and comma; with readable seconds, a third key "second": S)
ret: {"hour": 8, "minute": 48}
